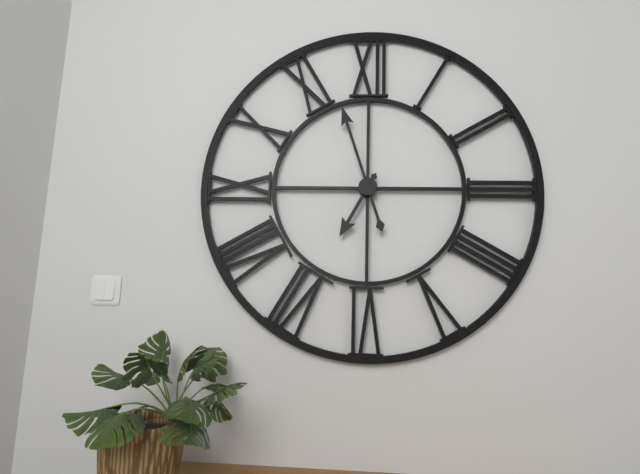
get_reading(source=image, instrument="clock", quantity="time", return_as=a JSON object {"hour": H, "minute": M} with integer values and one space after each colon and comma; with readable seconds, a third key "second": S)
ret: {"hour": 6, "minute": 57}
